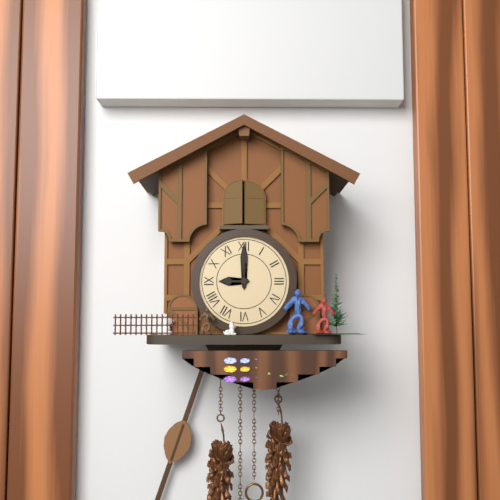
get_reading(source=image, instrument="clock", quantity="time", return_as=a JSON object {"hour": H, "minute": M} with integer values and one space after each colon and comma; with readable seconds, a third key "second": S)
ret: {"hour": 9, "minute": 0}
